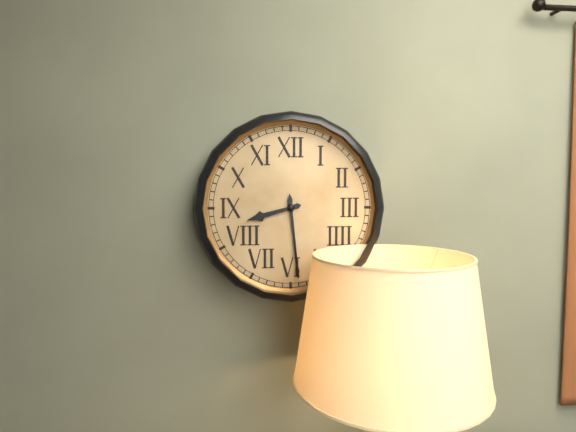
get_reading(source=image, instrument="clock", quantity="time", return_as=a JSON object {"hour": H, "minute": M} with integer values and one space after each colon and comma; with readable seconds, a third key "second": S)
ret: {"hour": 8, "minute": 29}
